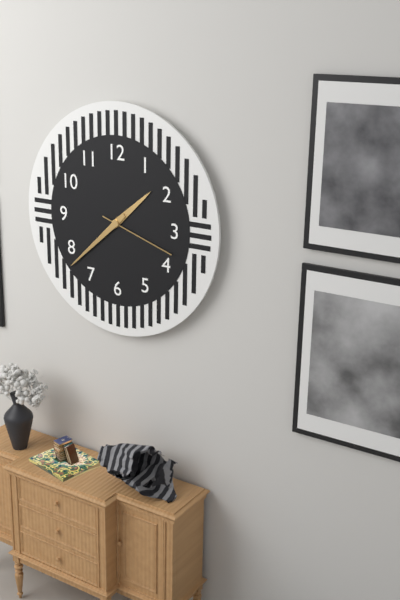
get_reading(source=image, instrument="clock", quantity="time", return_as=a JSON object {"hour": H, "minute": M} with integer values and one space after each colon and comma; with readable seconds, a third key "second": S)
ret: {"hour": 1, "minute": 38, "second": 18}
